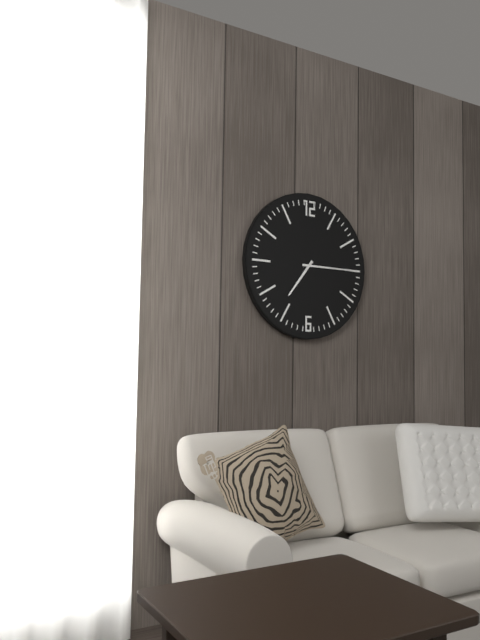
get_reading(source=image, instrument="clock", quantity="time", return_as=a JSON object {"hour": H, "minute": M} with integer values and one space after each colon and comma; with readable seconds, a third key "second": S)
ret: {"hour": 7, "minute": 15}
